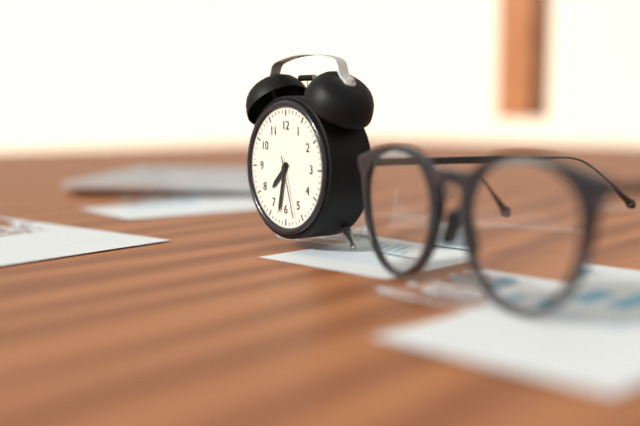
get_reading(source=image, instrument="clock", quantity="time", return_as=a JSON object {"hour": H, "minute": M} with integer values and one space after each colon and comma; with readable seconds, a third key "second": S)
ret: {"hour": 7, "minute": 32, "second": 27}
